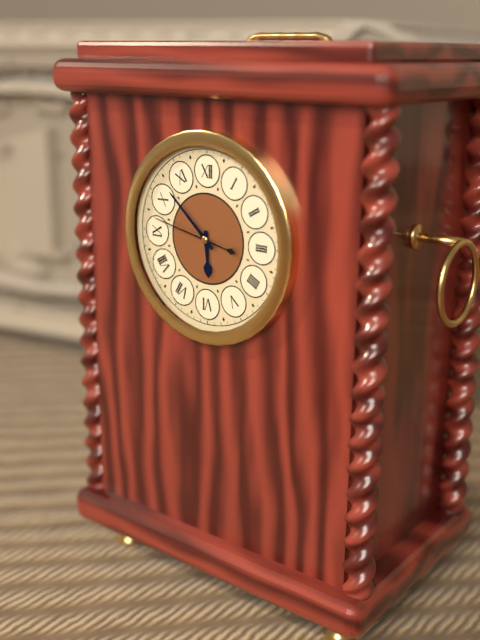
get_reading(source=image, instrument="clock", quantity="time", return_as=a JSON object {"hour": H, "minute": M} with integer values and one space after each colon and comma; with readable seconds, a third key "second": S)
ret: {"hour": 5, "minute": 52, "second": 47}
